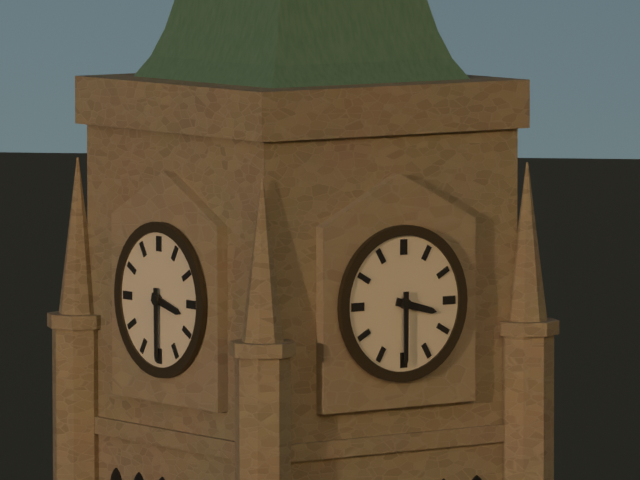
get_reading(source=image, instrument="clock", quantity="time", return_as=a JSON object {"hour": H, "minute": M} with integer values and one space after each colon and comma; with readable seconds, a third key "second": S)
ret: {"hour": 3, "minute": 30}
